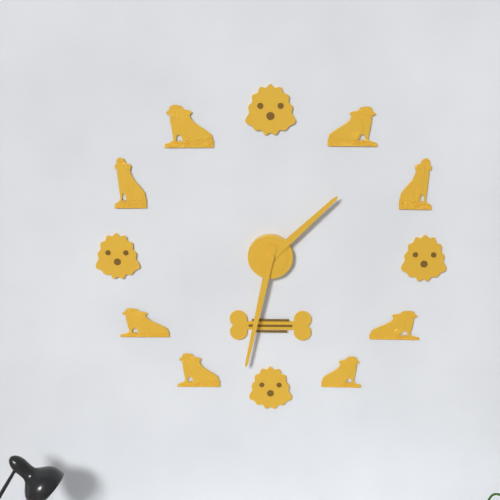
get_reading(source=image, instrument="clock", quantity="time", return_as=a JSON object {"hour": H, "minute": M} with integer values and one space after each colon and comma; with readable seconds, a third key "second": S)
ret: {"hour": 1, "minute": 32}
